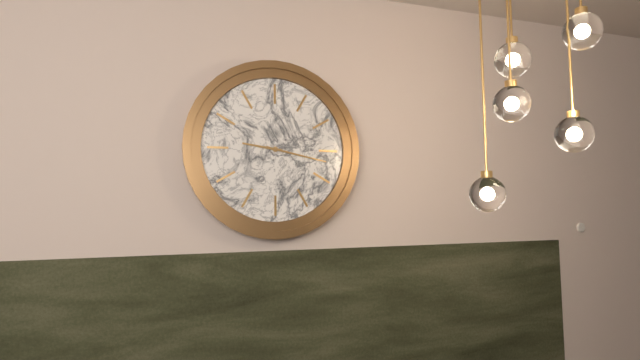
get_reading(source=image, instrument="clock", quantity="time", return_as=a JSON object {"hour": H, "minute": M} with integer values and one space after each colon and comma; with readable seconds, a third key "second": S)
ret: {"hour": 9, "minute": 17}
